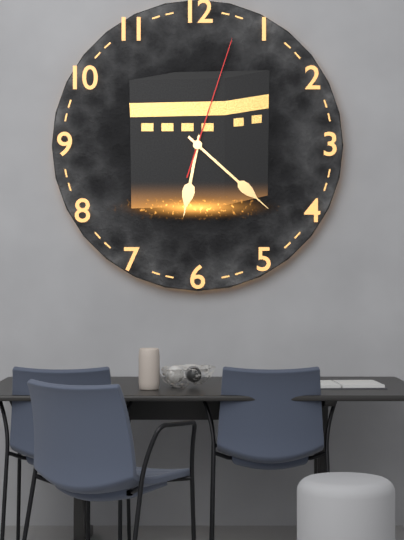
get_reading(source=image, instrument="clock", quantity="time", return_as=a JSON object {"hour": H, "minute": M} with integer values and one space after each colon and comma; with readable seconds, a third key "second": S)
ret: {"hour": 6, "minute": 22, "second": 3}
